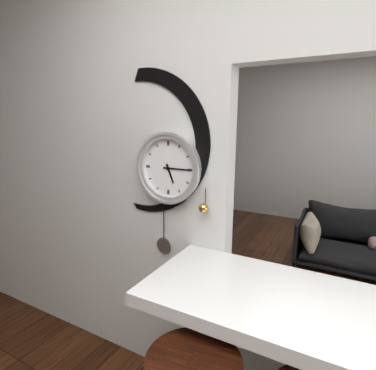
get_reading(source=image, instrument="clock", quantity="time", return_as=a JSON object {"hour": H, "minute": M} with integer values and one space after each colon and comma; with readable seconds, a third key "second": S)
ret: {"hour": 5, "minute": 15}
